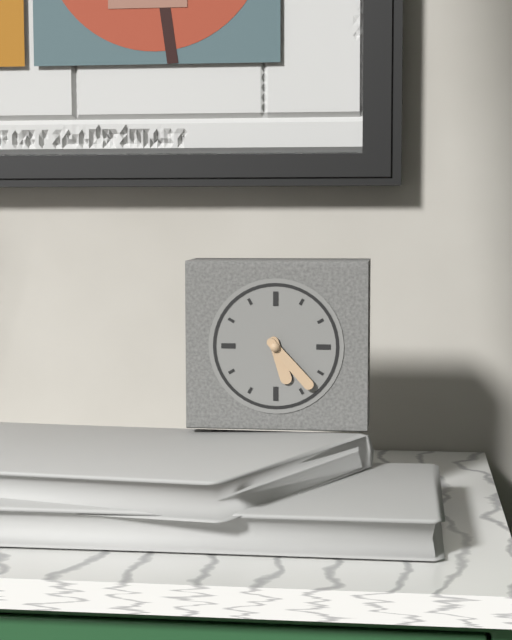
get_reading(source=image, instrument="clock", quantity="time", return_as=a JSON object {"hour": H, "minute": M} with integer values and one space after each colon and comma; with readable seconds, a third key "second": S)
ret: {"hour": 5, "minute": 23}
